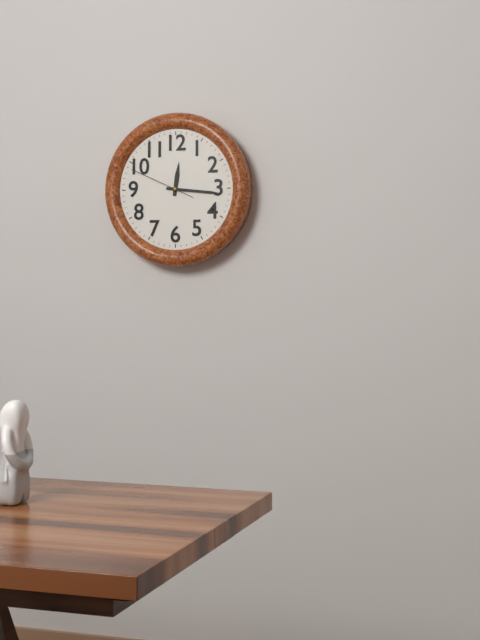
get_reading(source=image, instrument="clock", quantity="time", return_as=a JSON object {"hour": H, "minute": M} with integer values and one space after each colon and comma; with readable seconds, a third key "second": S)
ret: {"hour": 12, "minute": 16, "second": 49}
